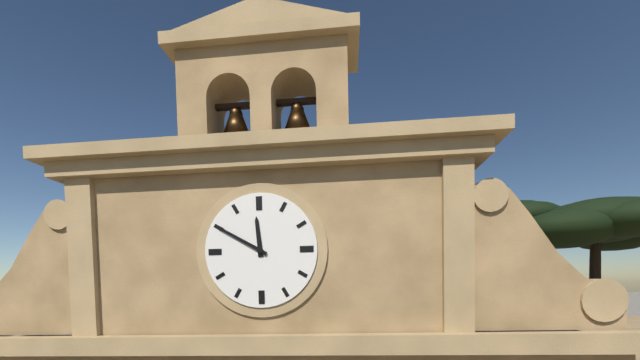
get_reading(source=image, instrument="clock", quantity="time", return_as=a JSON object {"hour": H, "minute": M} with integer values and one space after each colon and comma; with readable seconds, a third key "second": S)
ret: {"hour": 11, "minute": 50}
